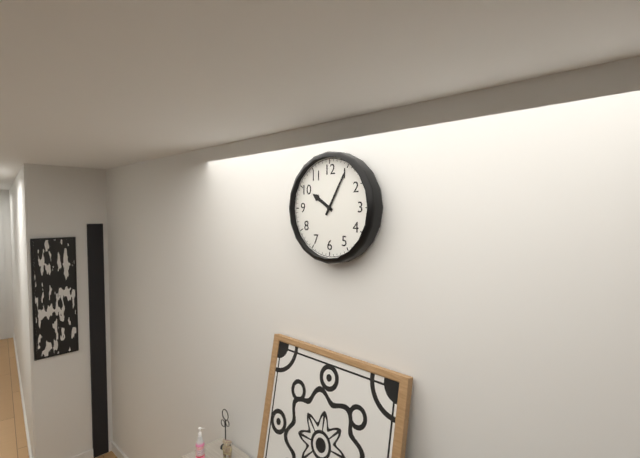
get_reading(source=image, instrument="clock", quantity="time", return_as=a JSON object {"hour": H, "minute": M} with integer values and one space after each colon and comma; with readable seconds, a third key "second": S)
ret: {"hour": 10, "minute": 5}
